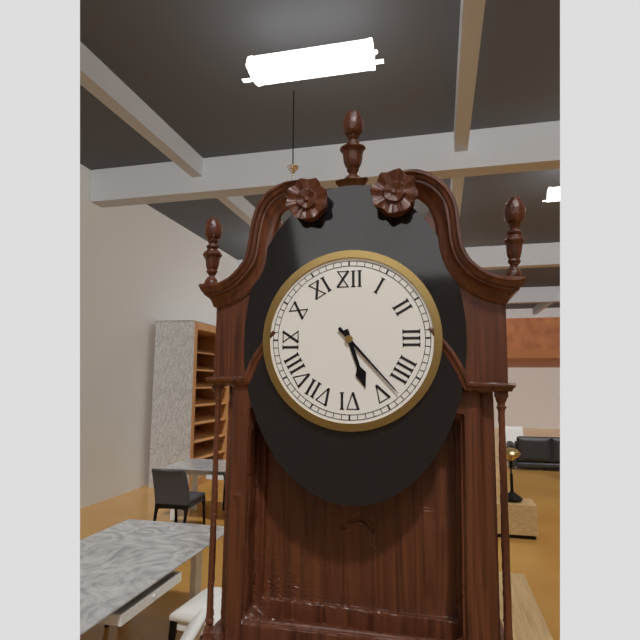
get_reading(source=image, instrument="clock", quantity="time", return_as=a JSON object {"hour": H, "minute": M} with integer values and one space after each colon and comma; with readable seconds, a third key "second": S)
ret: {"hour": 5, "minute": 23}
